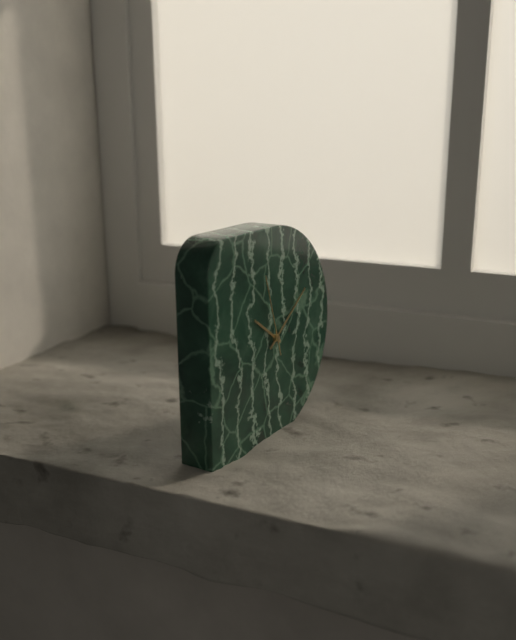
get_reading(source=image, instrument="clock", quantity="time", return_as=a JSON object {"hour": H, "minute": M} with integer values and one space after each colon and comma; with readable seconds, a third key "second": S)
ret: {"hour": 10, "minute": 9, "second": 57}
